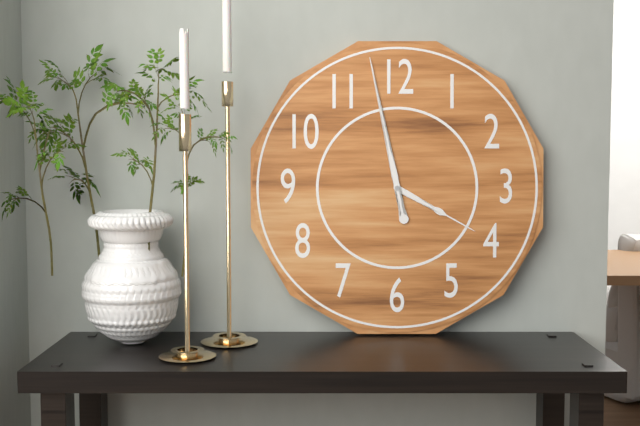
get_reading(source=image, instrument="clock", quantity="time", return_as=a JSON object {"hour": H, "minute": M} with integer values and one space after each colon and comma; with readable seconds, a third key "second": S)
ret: {"hour": 3, "minute": 58}
